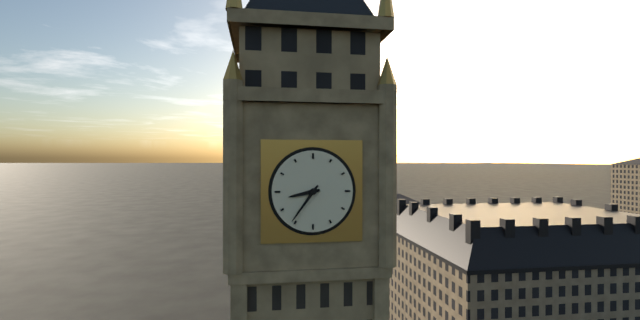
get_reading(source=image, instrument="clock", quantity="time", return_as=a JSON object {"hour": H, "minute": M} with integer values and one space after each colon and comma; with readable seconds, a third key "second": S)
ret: {"hour": 8, "minute": 36}
